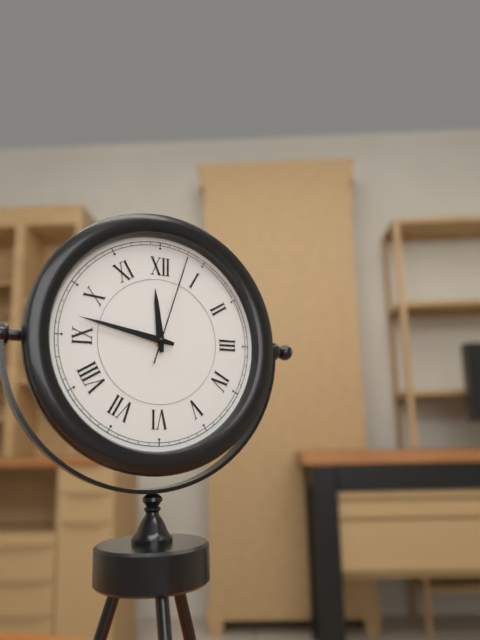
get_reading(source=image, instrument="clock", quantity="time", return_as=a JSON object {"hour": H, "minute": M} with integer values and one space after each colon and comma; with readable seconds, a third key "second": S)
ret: {"hour": 11, "minute": 47, "second": 3}
